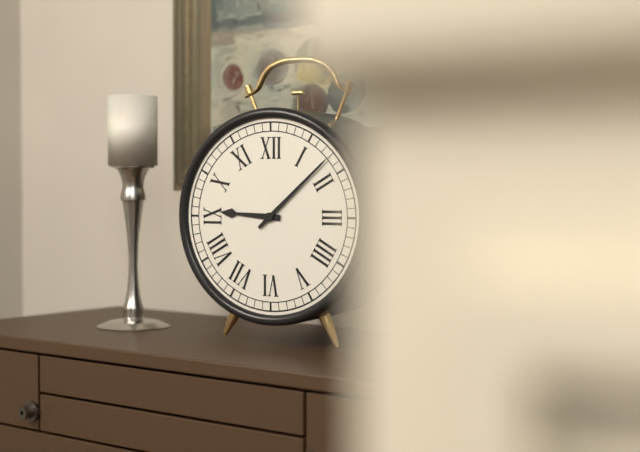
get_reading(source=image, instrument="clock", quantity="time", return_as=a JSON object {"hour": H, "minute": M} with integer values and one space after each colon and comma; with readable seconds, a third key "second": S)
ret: {"hour": 9, "minute": 8}
